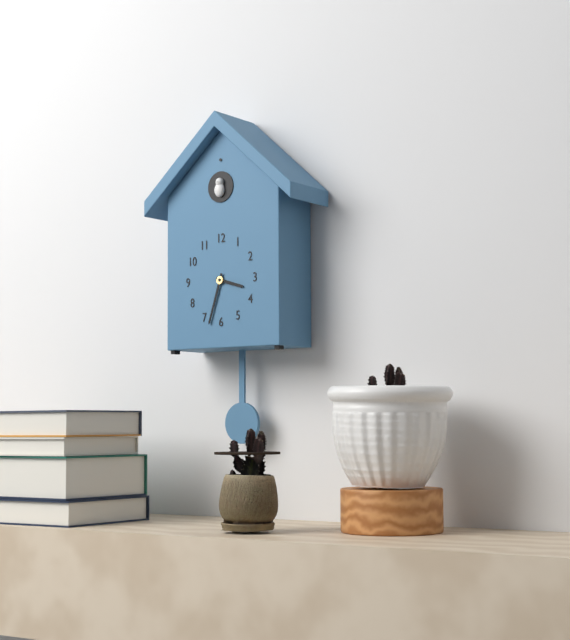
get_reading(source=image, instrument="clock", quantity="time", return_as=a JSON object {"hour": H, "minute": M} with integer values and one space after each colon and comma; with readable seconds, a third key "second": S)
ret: {"hour": 3, "minute": 33}
